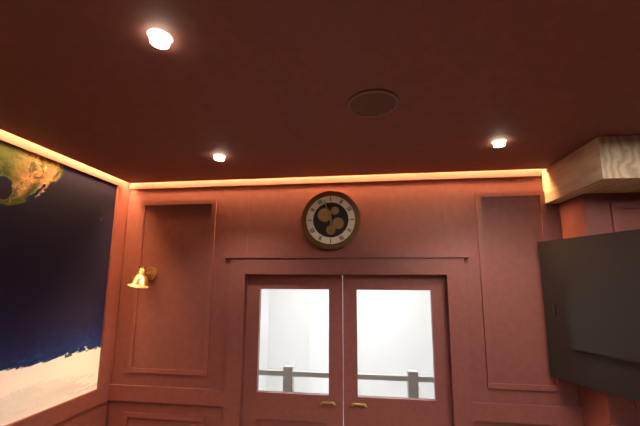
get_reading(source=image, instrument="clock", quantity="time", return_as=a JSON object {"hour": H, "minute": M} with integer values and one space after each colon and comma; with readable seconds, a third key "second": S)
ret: {"hour": 5, "minute": 57}
